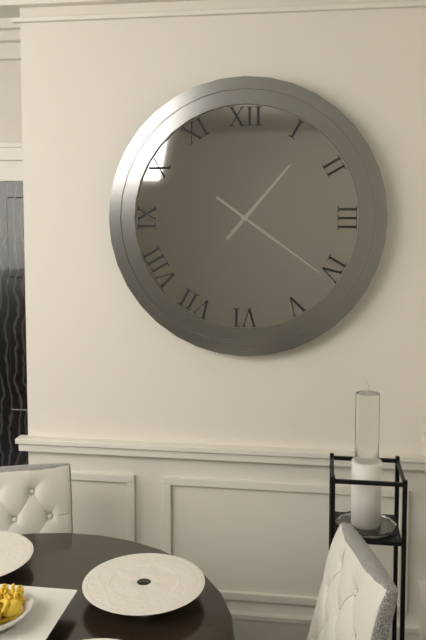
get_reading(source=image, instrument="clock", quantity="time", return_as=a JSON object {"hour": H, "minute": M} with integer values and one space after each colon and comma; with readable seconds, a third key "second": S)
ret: {"hour": 1, "minute": 21}
